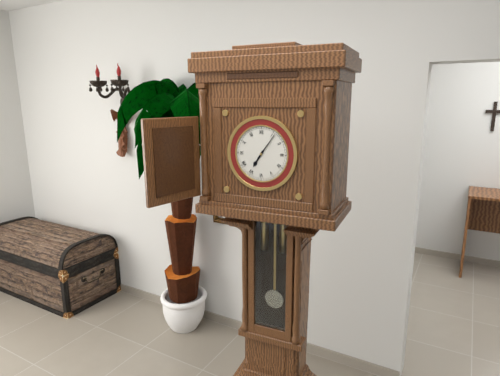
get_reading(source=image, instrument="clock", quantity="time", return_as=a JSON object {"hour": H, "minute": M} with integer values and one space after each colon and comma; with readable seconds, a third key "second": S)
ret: {"hour": 7, "minute": 6}
